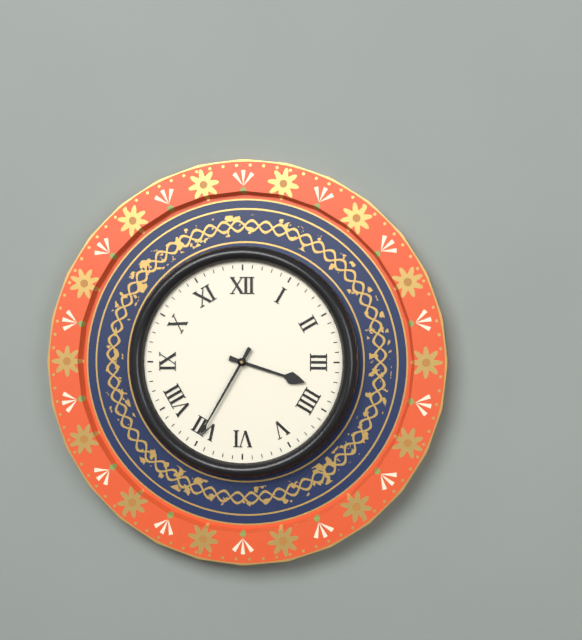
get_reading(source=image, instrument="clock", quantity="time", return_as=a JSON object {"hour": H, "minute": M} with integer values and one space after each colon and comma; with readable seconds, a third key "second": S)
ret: {"hour": 3, "minute": 35}
